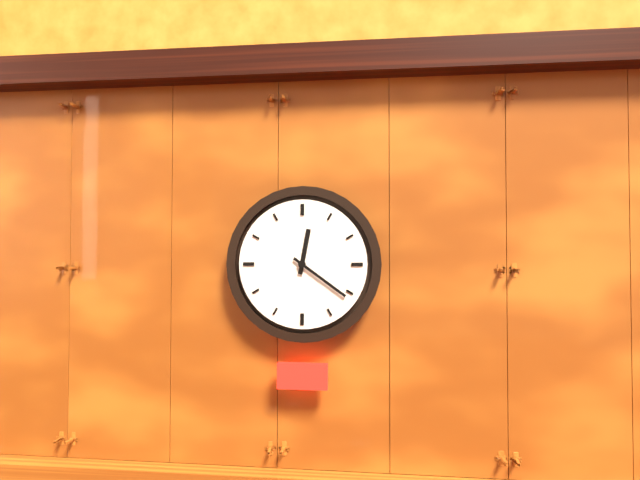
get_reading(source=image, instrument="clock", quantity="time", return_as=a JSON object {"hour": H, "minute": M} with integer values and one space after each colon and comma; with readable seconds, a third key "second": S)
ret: {"hour": 12, "minute": 21}
